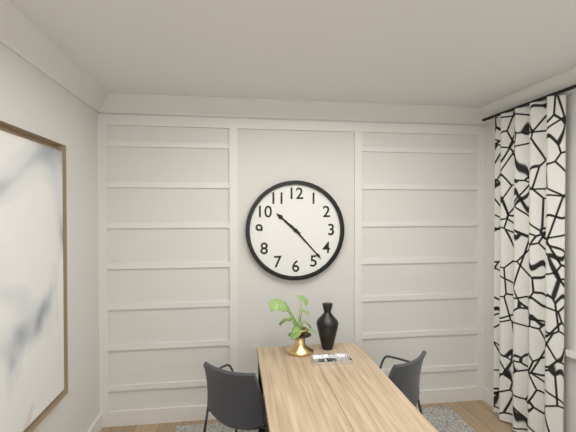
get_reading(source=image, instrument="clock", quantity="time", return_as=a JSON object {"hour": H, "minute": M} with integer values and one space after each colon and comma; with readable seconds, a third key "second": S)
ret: {"hour": 10, "minute": 23}
